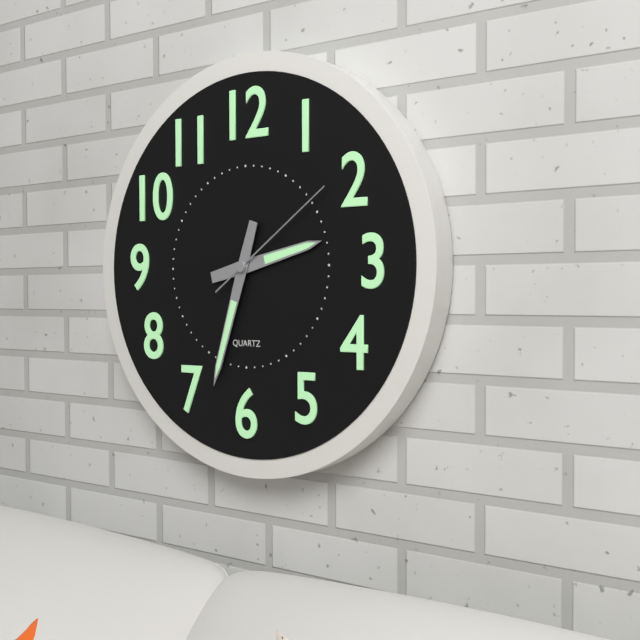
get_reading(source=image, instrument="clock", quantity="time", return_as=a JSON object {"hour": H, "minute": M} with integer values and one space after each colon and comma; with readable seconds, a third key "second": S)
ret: {"hour": 2, "minute": 33, "second": 9}
